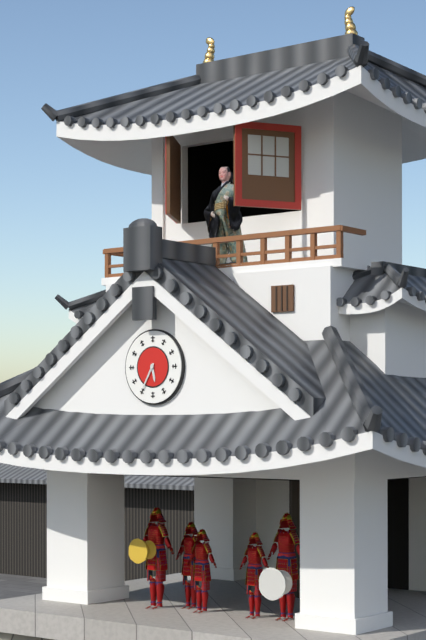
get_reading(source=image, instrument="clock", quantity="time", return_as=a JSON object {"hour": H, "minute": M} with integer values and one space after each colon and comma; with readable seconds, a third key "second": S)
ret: {"hour": 5, "minute": 35}
